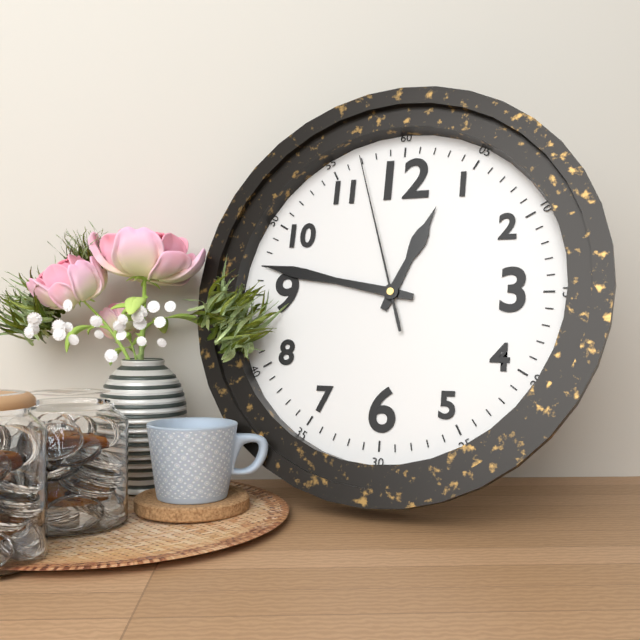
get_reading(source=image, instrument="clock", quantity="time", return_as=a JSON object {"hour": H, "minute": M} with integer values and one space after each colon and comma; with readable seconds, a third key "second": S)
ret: {"hour": 12, "minute": 47, "second": 57}
